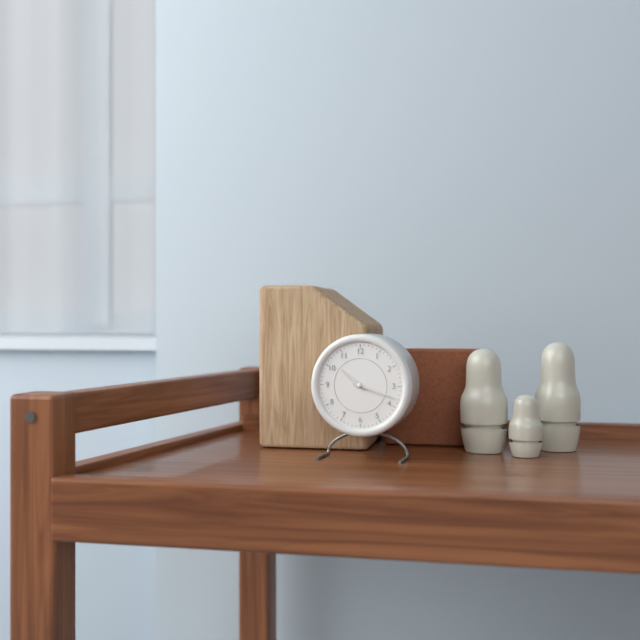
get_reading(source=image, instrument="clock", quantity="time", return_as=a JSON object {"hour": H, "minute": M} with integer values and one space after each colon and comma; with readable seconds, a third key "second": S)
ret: {"hour": 10, "minute": 18}
